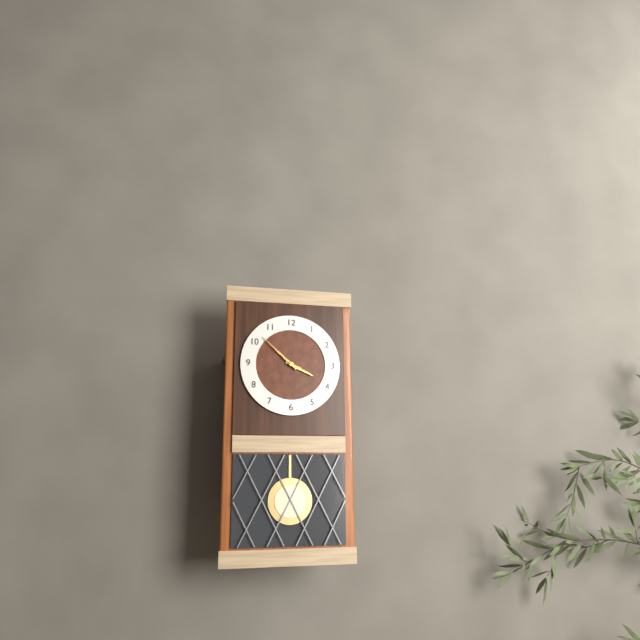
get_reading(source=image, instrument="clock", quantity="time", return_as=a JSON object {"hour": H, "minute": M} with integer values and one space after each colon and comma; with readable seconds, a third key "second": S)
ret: {"hour": 3, "minute": 52}
